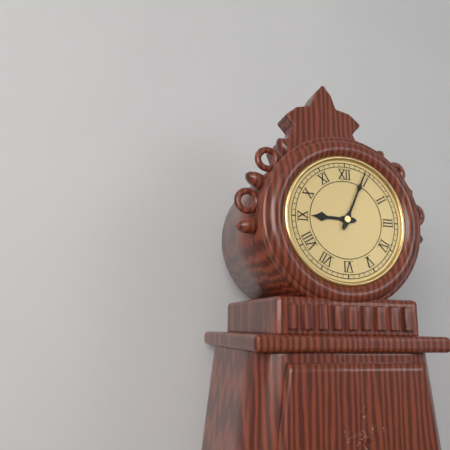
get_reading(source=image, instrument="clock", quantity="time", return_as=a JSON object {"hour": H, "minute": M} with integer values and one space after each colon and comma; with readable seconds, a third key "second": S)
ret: {"hour": 9, "minute": 4}
